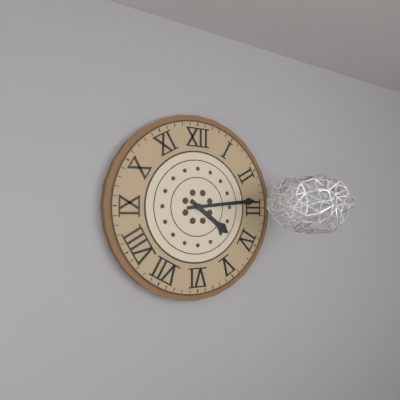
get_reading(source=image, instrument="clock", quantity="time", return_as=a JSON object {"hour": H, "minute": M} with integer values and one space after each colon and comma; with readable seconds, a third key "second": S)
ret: {"hour": 4, "minute": 14}
